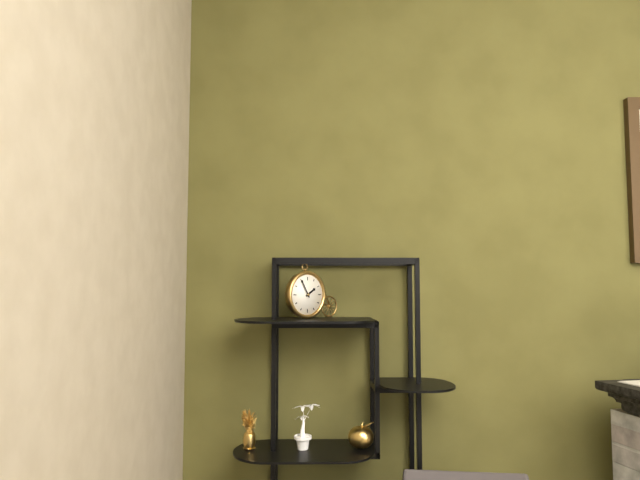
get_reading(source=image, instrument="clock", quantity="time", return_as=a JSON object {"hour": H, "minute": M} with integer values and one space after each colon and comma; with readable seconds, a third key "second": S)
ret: {"hour": 1, "minute": 55}
